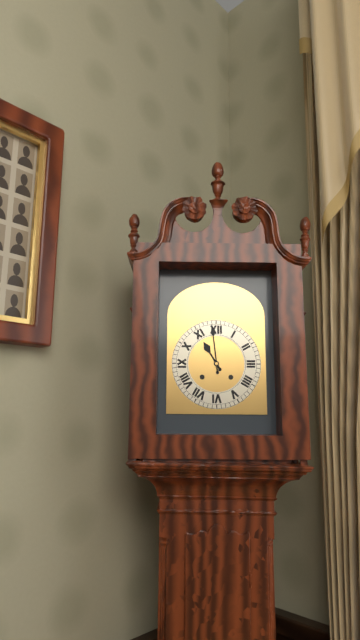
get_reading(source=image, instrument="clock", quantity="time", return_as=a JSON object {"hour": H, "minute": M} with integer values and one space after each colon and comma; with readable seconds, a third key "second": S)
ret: {"hour": 10, "minute": 59}
